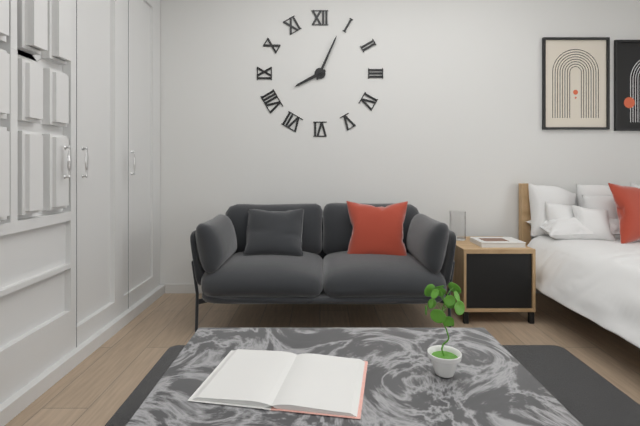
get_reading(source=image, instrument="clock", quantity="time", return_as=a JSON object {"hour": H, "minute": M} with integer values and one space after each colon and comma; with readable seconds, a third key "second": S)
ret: {"hour": 8, "minute": 4}
